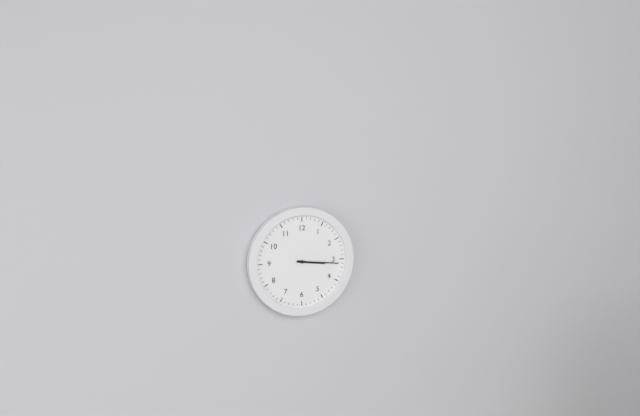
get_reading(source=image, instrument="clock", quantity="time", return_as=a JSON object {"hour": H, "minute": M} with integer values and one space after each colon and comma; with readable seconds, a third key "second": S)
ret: {"hour": 3, "minute": 16}
